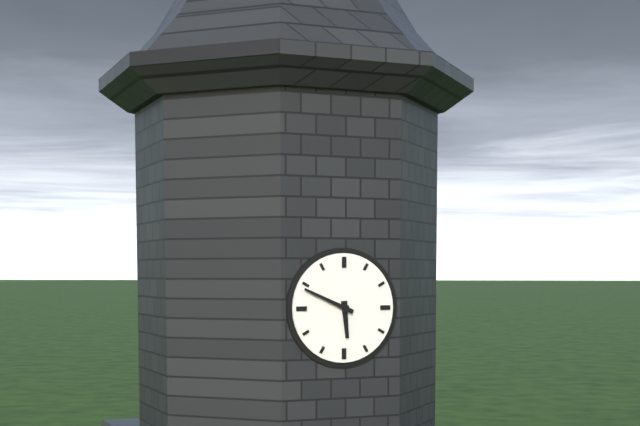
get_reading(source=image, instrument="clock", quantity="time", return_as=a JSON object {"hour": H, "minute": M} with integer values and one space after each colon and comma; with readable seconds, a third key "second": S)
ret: {"hour": 5, "minute": 49}
